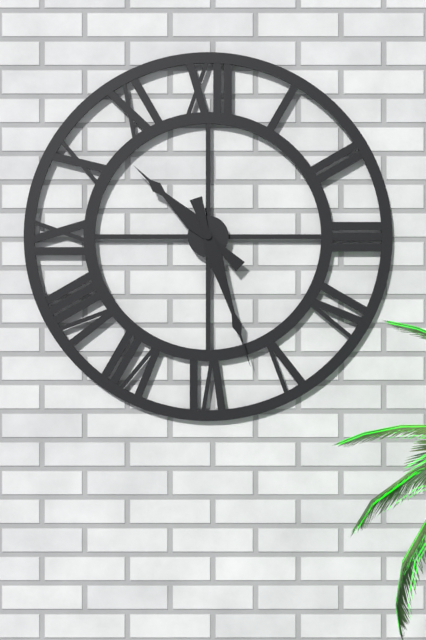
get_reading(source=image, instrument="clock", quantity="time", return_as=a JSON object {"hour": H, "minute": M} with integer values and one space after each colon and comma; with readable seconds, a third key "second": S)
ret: {"hour": 10, "minute": 27}
